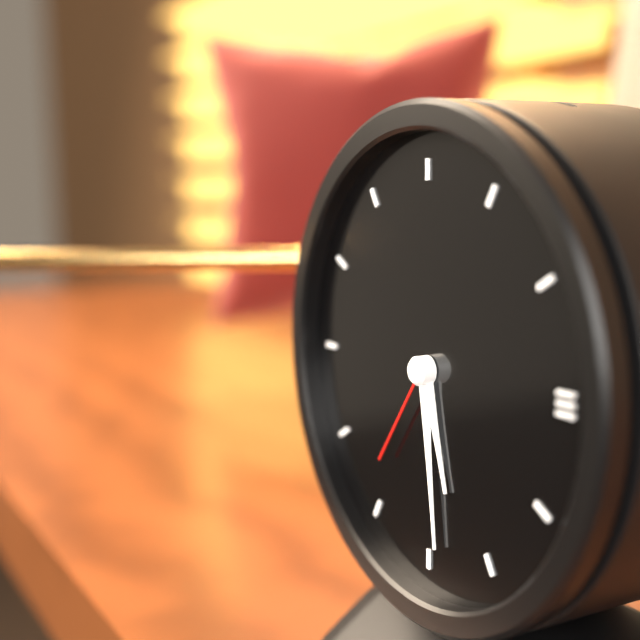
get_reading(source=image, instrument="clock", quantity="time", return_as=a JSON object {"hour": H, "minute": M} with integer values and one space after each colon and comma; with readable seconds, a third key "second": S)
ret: {"hour": 5, "minute": 29, "second": 36}
